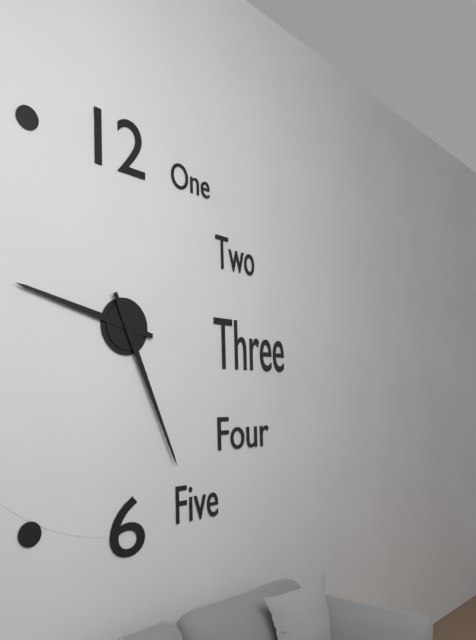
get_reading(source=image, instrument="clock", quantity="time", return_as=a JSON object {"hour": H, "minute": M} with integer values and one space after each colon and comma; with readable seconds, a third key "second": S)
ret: {"hour": 9, "minute": 26}
